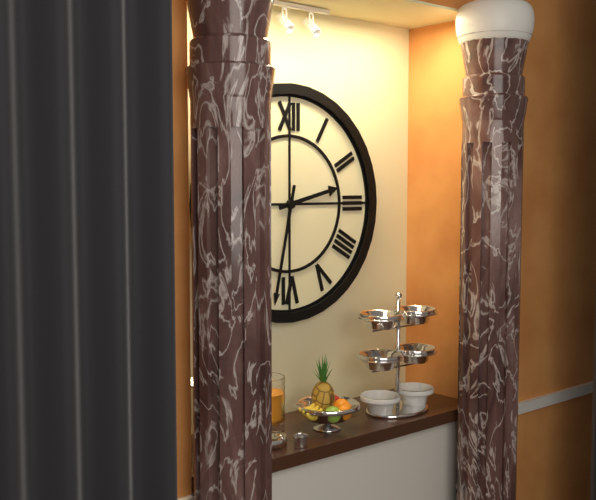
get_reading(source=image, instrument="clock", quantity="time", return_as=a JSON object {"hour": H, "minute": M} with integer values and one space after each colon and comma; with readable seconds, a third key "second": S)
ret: {"hour": 2, "minute": 32}
